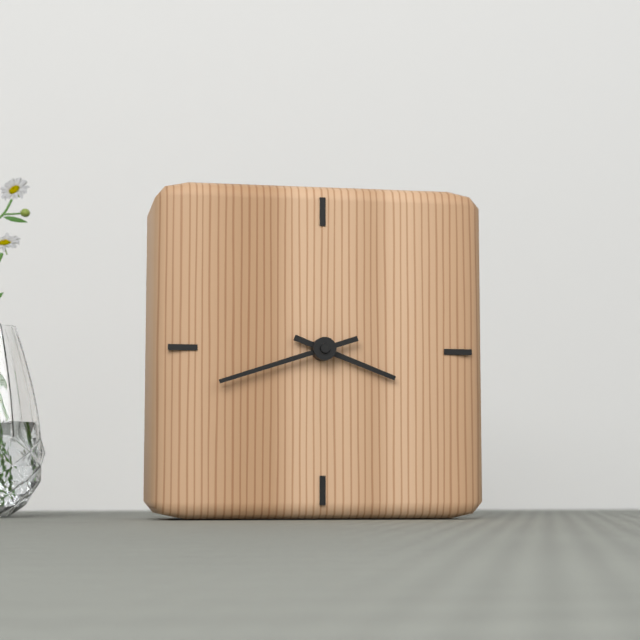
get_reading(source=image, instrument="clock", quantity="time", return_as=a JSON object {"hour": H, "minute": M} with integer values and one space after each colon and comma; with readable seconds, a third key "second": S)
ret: {"hour": 3, "minute": 42}
